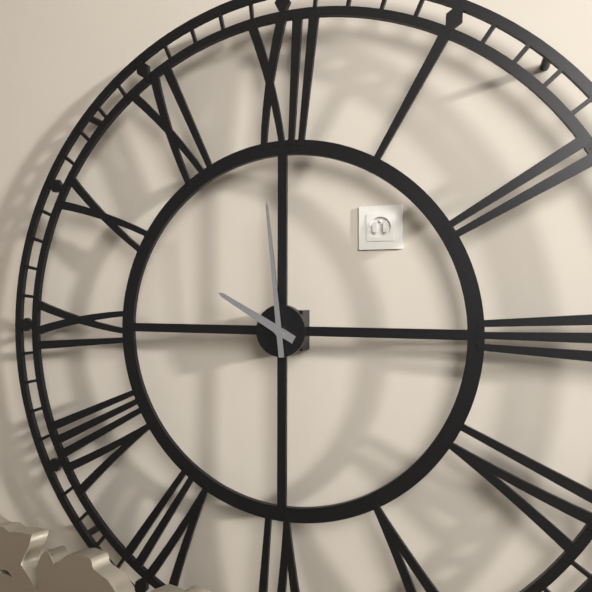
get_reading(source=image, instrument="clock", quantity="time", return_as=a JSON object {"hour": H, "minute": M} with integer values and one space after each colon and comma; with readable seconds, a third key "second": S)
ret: {"hour": 9, "minute": 59}
